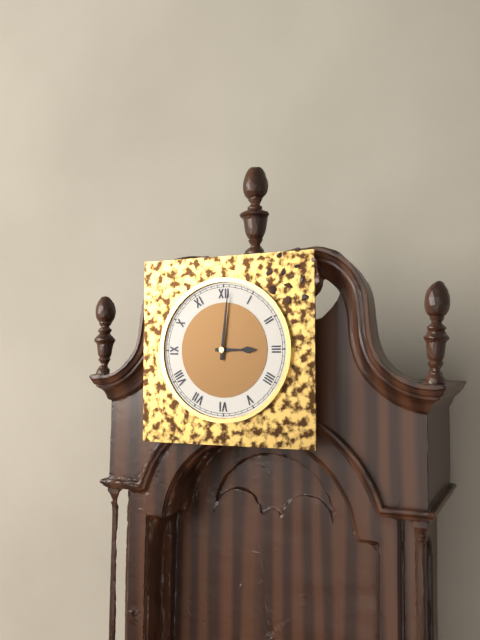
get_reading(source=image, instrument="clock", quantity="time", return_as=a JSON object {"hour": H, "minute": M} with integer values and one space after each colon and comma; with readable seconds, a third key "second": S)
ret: {"hour": 3, "minute": 1}
